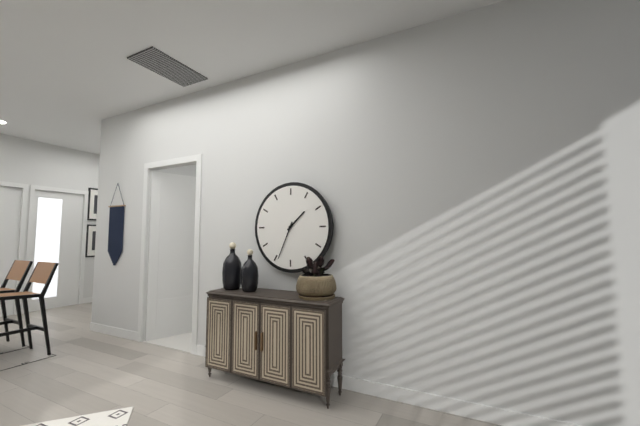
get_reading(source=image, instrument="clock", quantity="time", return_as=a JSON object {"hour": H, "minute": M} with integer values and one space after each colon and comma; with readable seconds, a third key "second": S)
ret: {"hour": 1, "minute": 34}
